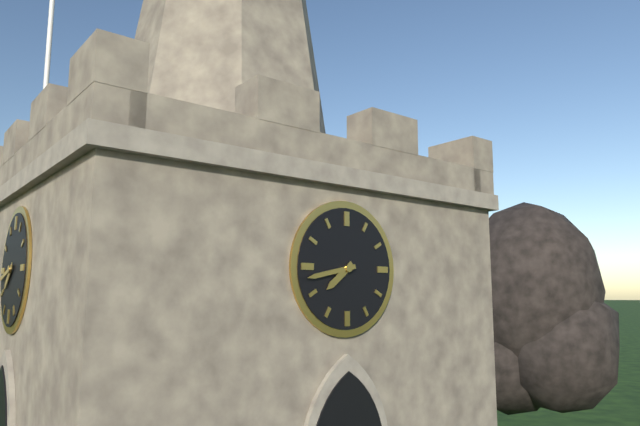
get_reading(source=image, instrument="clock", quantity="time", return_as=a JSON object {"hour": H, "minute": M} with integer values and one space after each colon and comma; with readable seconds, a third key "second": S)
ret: {"hour": 7, "minute": 43}
